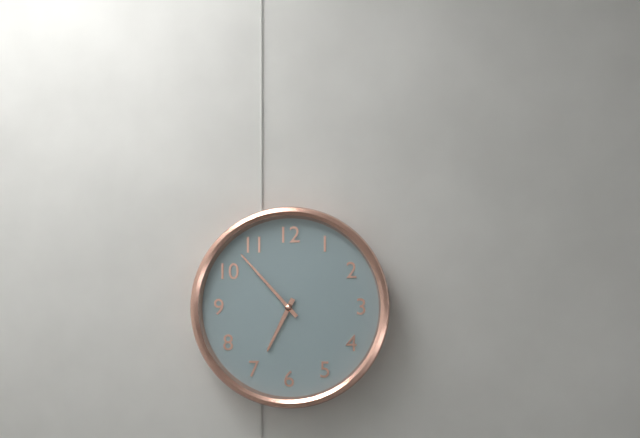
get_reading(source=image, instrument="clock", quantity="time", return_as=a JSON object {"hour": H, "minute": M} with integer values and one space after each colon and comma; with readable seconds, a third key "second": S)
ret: {"hour": 6, "minute": 53}
